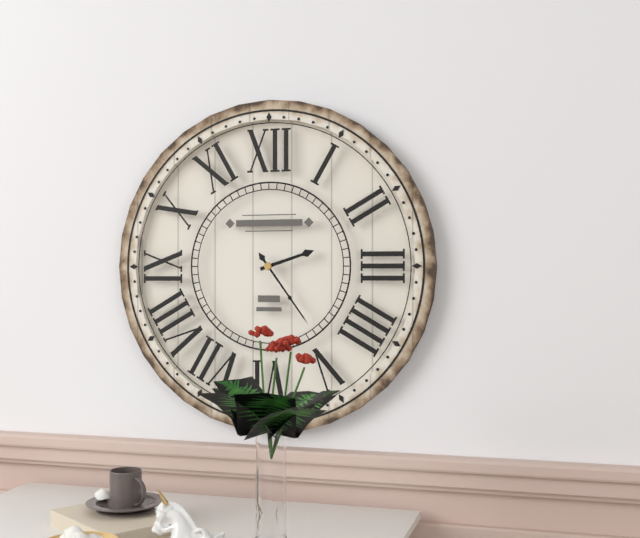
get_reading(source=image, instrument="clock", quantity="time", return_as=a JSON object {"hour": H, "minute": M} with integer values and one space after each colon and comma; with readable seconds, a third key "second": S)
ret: {"hour": 2, "minute": 24}
